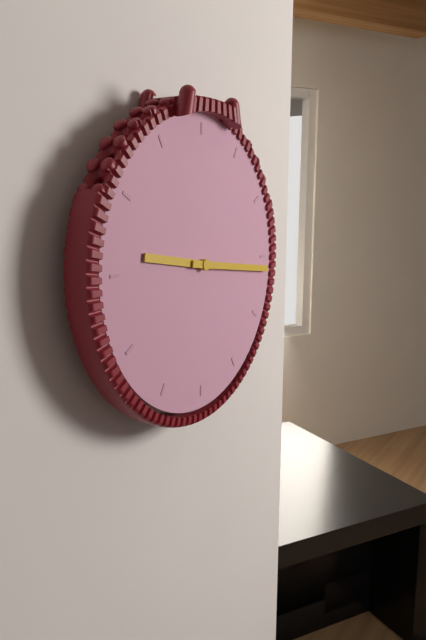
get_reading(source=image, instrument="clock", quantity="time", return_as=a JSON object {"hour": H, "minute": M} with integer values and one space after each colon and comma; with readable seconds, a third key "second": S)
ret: {"hour": 9, "minute": 16}
